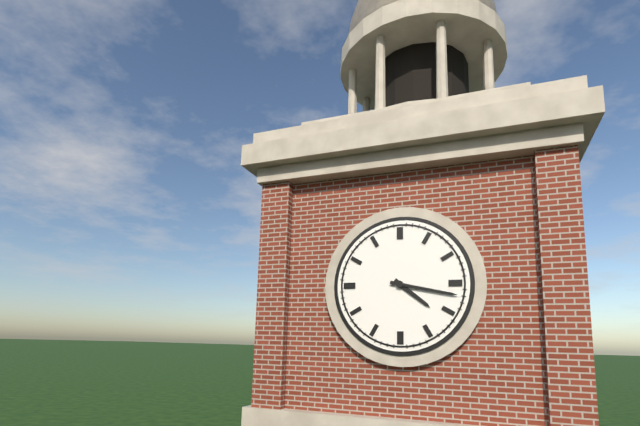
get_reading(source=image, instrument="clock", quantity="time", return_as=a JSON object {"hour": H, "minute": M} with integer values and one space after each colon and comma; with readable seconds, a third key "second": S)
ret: {"hour": 4, "minute": 17}
